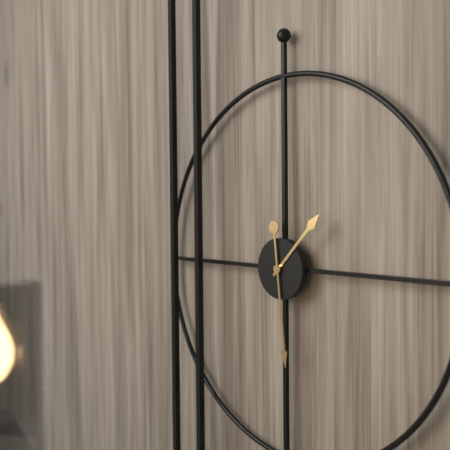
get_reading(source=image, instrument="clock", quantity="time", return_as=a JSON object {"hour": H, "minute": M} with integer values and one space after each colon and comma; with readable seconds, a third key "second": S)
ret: {"hour": 1, "minute": 29}
